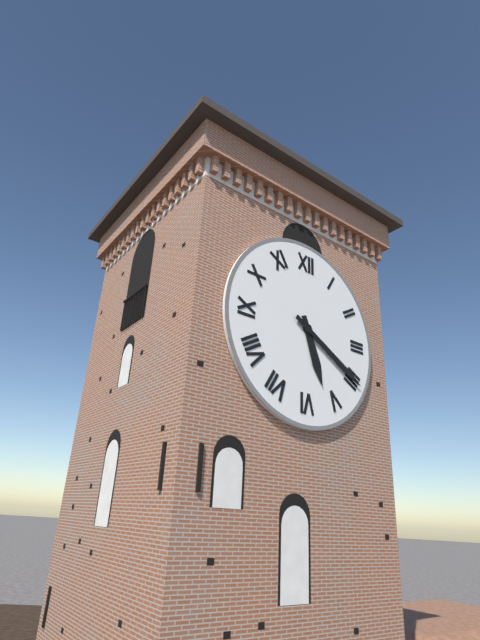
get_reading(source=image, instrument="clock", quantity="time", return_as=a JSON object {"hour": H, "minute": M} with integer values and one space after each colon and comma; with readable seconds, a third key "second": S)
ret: {"hour": 5, "minute": 20}
